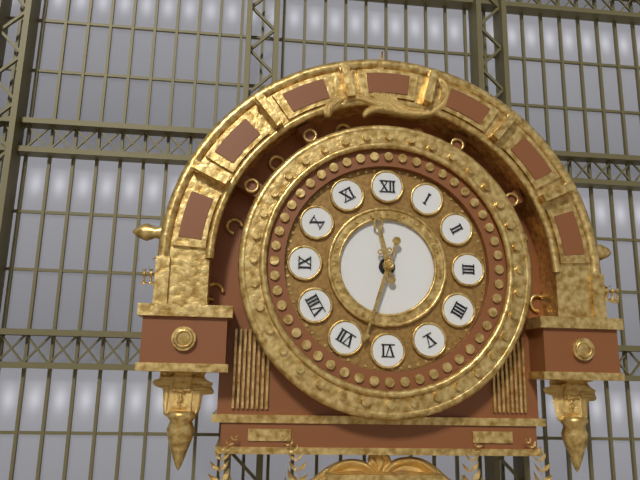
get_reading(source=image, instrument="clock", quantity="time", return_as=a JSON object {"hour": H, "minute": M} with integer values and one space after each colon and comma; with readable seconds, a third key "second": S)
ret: {"hour": 11, "minute": 33}
